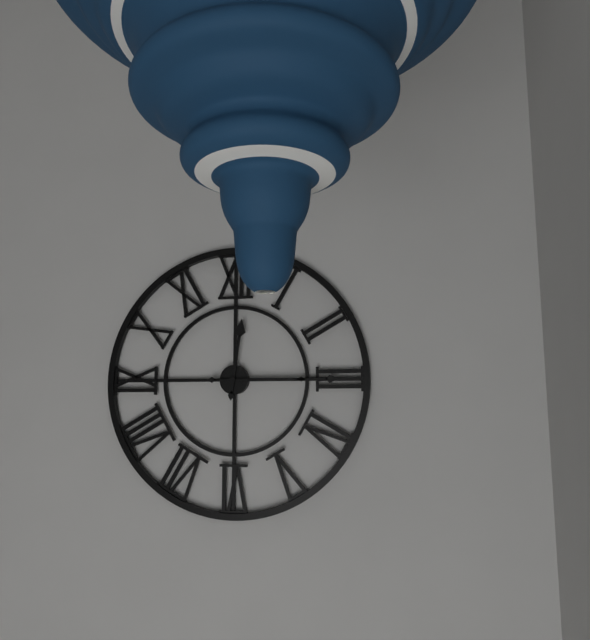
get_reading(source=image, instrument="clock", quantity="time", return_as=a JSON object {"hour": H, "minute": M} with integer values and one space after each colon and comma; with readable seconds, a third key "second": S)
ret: {"hour": 12, "minute": 15}
